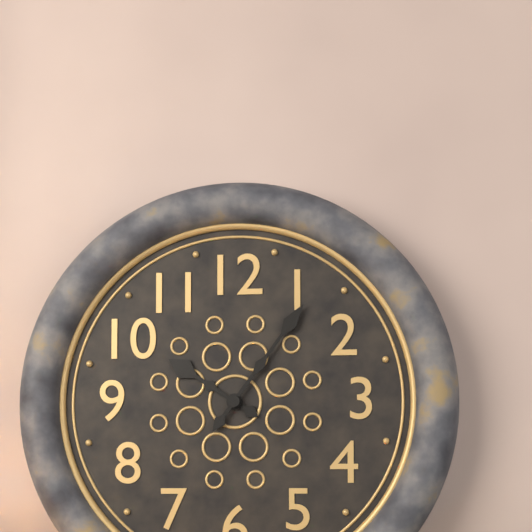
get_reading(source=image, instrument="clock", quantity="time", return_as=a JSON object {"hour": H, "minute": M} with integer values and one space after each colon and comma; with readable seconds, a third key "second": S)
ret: {"hour": 10, "minute": 6}
